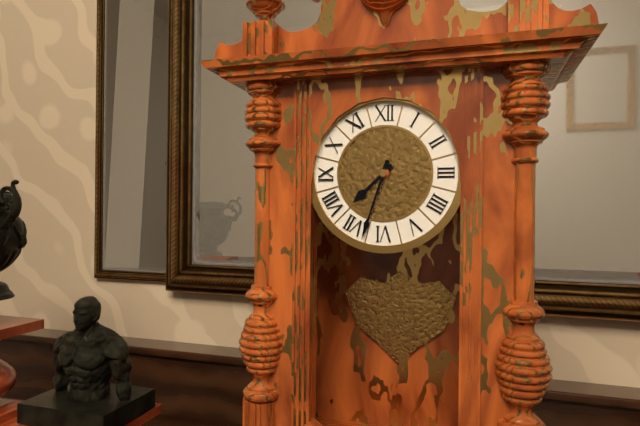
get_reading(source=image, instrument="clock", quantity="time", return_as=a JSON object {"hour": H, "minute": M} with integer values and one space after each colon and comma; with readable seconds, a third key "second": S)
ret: {"hour": 7, "minute": 33}
